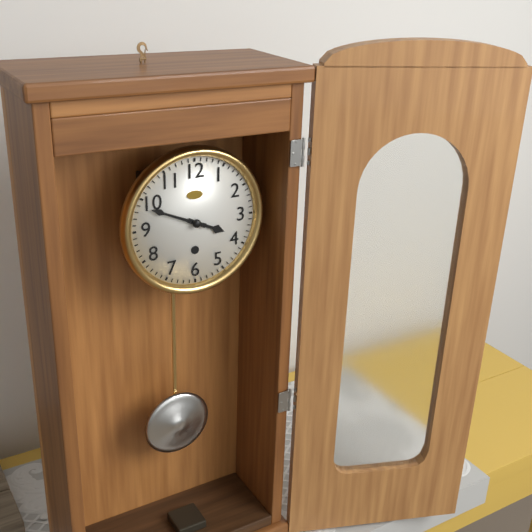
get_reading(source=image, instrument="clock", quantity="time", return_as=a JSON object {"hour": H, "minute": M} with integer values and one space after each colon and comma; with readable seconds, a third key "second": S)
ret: {"hour": 3, "minute": 49}
